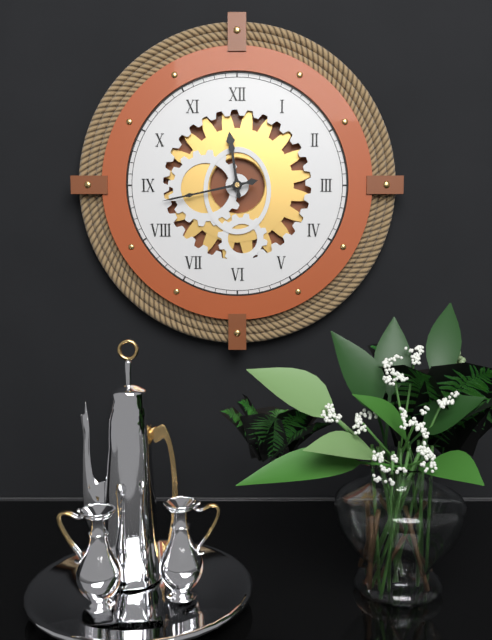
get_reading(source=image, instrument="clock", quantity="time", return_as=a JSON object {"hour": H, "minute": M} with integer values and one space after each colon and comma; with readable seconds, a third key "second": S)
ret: {"hour": 11, "minute": 43}
